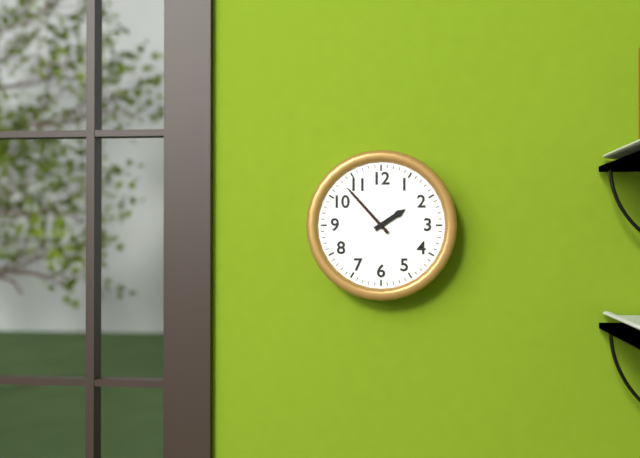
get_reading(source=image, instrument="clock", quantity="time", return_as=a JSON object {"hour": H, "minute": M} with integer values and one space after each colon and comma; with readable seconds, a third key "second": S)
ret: {"hour": 1, "minute": 53}
